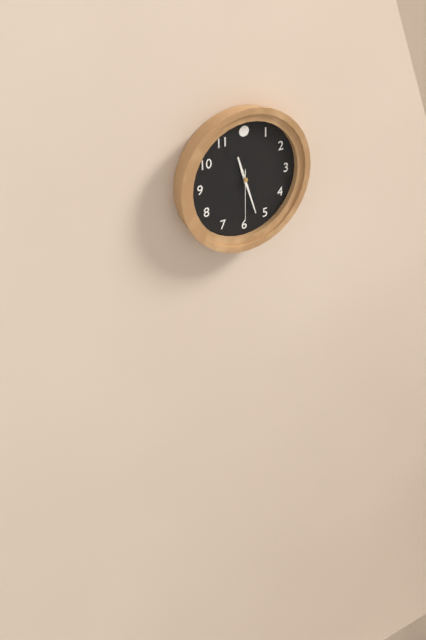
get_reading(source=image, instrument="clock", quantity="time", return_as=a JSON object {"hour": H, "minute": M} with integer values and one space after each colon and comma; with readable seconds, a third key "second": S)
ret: {"hour": 11, "minute": 27, "second": 30}
